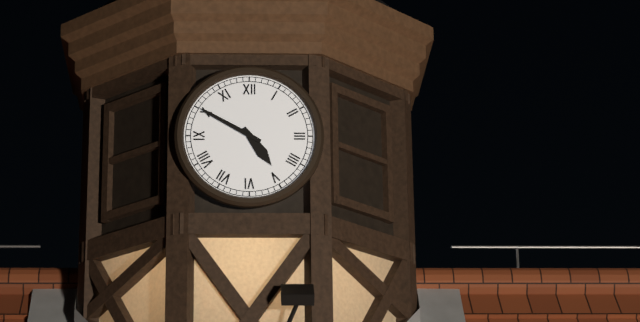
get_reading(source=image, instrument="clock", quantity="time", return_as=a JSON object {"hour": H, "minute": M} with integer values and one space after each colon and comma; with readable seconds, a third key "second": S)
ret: {"hour": 4, "minute": 50}
